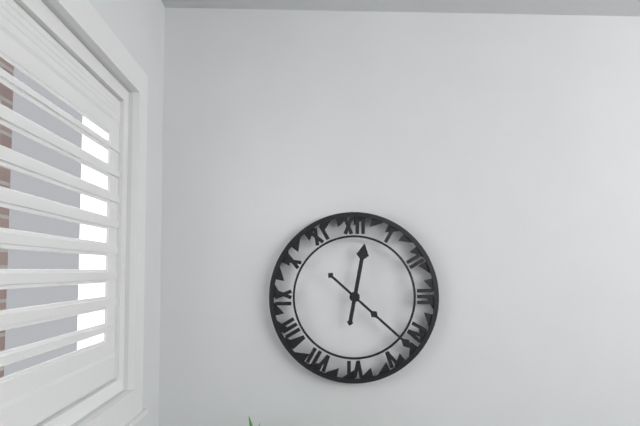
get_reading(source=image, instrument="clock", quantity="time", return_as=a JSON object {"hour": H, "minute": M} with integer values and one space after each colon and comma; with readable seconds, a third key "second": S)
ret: {"hour": 12, "minute": 22}
